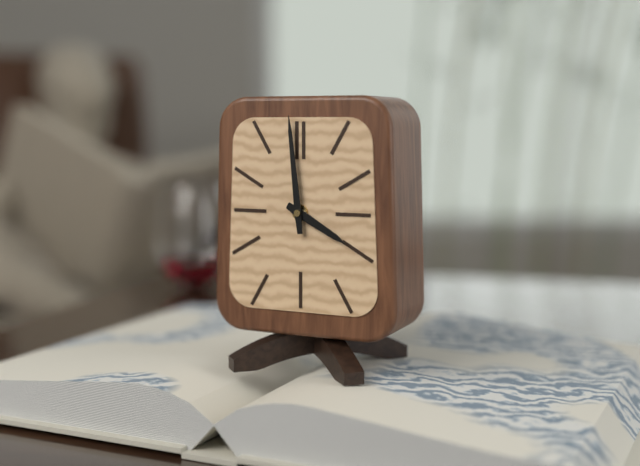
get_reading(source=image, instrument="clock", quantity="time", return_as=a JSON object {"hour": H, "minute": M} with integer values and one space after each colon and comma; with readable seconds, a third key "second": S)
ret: {"hour": 3, "minute": 59}
